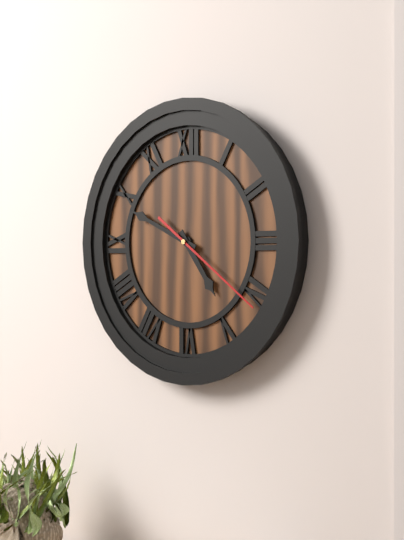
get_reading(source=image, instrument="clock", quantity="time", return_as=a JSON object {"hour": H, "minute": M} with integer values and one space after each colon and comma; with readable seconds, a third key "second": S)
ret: {"hour": 4, "minute": 49, "second": 21}
